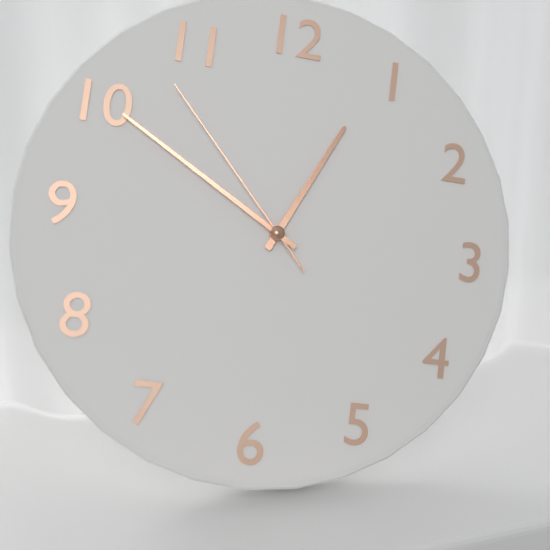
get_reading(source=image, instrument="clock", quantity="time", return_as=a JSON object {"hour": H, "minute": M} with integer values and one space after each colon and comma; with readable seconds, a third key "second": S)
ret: {"hour": 12, "minute": 50, "second": 53}
